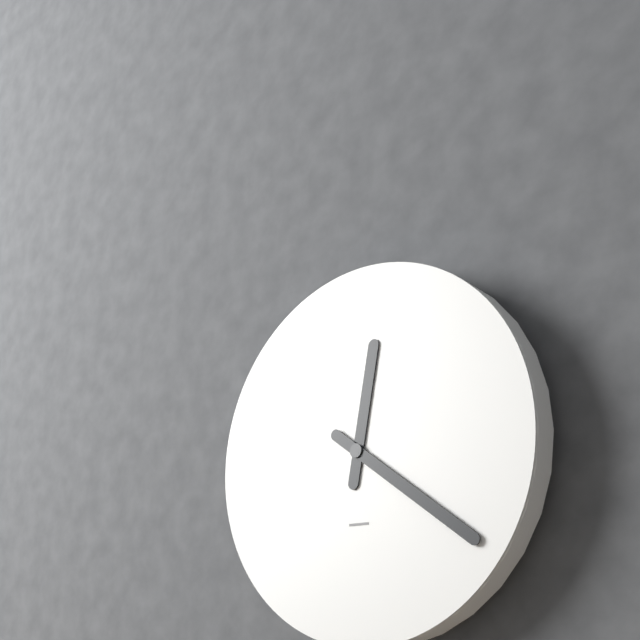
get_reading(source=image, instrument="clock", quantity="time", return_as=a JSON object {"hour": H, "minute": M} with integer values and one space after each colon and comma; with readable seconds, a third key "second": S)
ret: {"hour": 12, "minute": 21}
